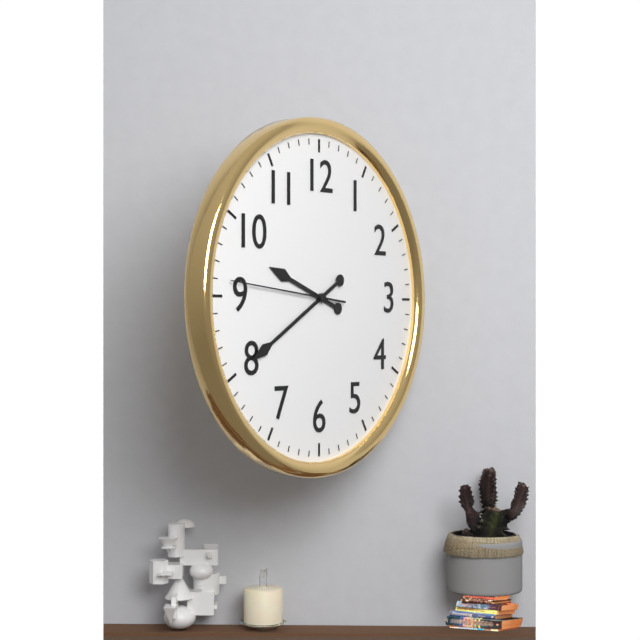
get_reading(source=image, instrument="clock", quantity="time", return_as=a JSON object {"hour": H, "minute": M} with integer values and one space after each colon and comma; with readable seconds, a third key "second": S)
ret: {"hour": 9, "minute": 40, "second": 46}
